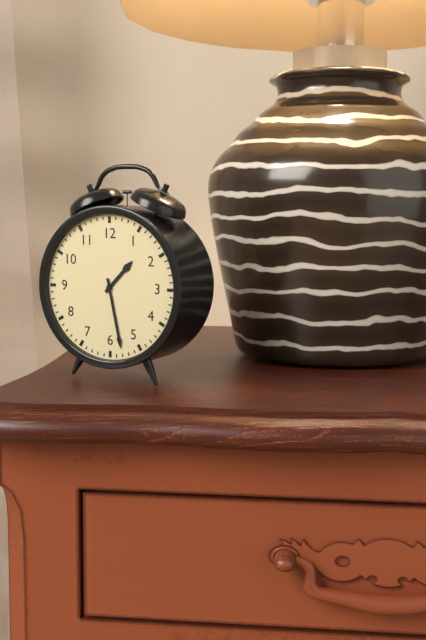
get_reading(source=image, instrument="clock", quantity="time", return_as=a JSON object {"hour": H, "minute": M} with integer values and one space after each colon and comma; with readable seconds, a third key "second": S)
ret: {"hour": 1, "minute": 28}
